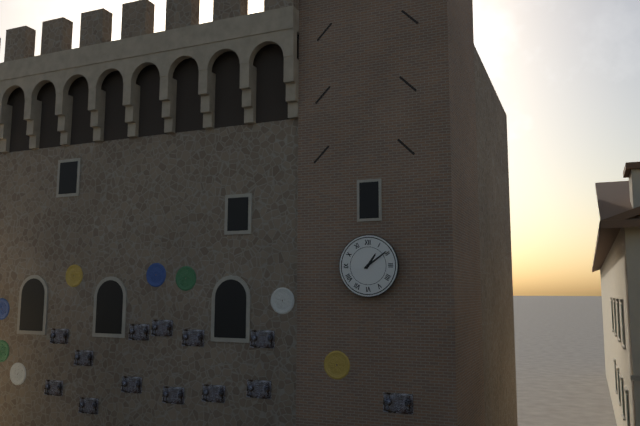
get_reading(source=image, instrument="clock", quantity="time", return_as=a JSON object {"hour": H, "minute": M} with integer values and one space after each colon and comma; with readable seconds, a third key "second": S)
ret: {"hour": 1, "minute": 9}
